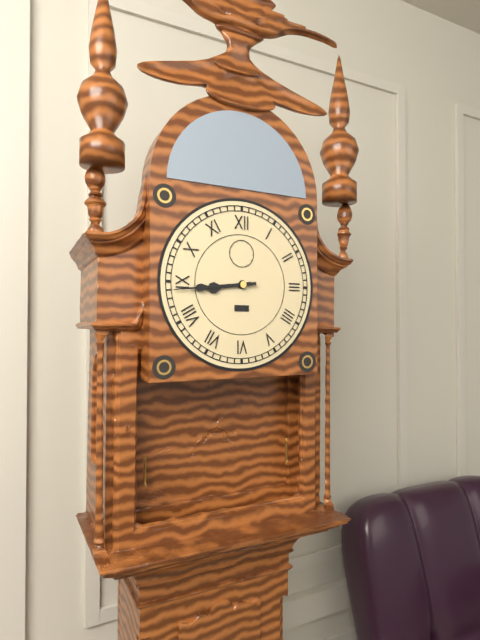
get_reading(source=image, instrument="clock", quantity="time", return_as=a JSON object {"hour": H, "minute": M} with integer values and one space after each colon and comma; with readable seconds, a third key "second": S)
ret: {"hour": 8, "minute": 44}
